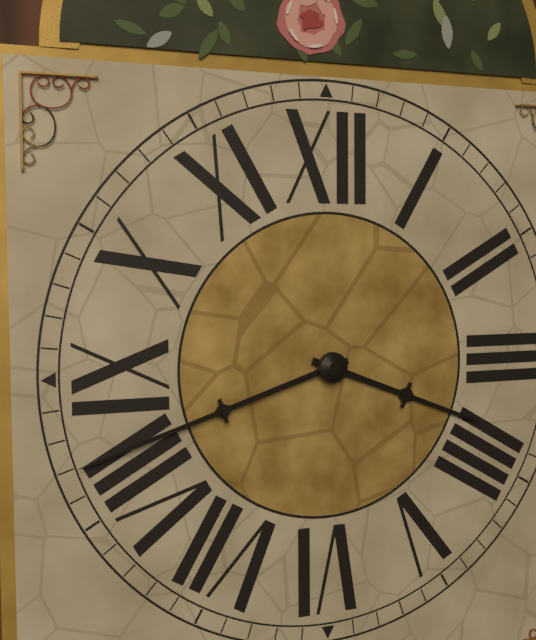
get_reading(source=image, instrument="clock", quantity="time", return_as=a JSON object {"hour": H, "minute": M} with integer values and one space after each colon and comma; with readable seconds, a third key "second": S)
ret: {"hour": 3, "minute": 42}
